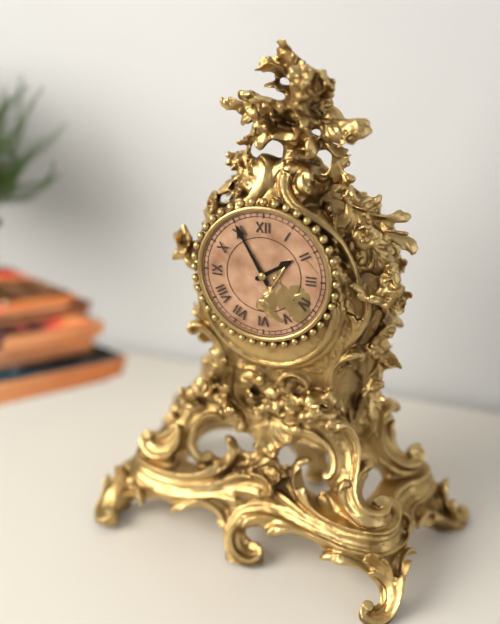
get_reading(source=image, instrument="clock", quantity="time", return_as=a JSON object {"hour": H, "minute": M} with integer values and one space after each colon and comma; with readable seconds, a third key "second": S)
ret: {"hour": 1, "minute": 55}
